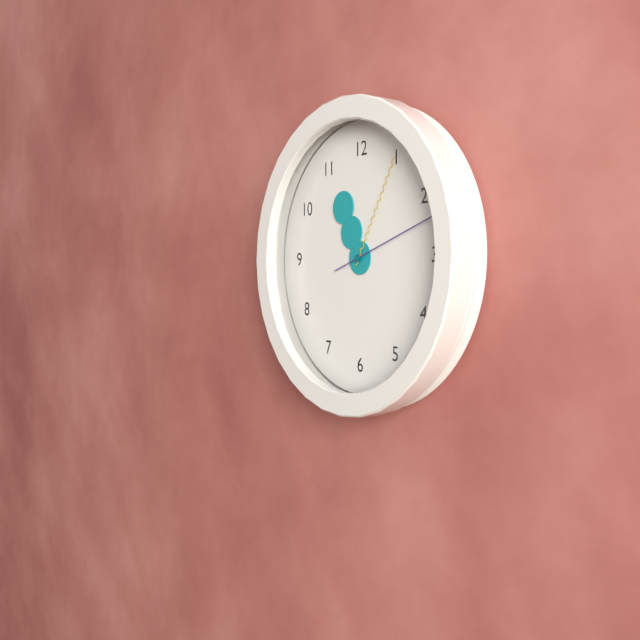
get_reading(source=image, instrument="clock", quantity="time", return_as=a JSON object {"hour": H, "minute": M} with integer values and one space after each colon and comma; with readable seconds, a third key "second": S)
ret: {"hour": 11, "minute": 5, "second": 12}
